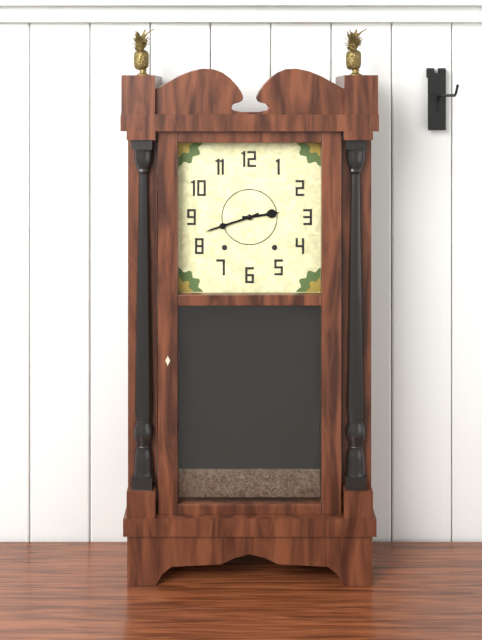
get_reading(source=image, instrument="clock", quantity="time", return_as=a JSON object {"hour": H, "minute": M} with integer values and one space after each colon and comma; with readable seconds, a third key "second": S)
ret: {"hour": 2, "minute": 42}
